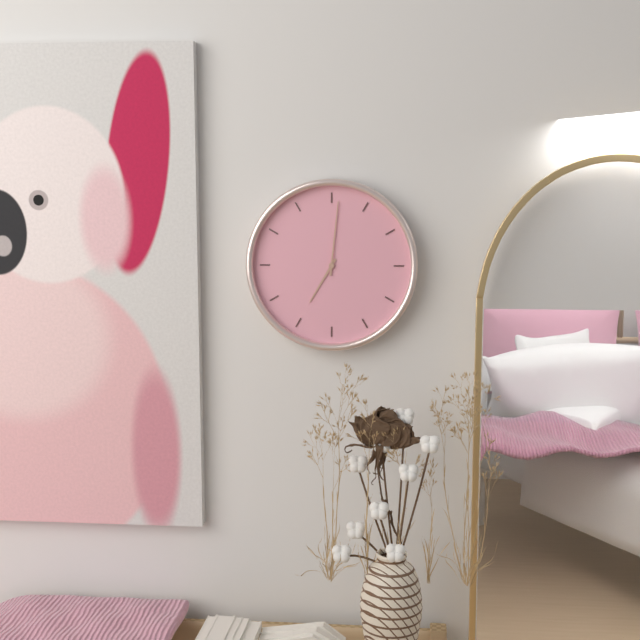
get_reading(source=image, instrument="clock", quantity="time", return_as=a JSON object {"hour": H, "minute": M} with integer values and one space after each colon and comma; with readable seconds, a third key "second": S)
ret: {"hour": 7, "minute": 1}
